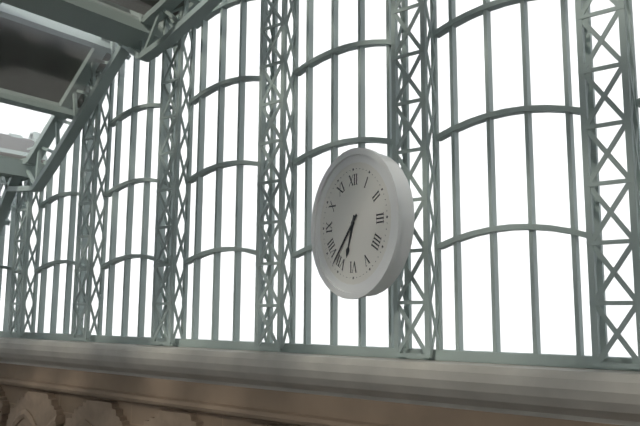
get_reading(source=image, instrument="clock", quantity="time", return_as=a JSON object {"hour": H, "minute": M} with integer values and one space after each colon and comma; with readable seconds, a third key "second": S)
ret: {"hour": 6, "minute": 37}
